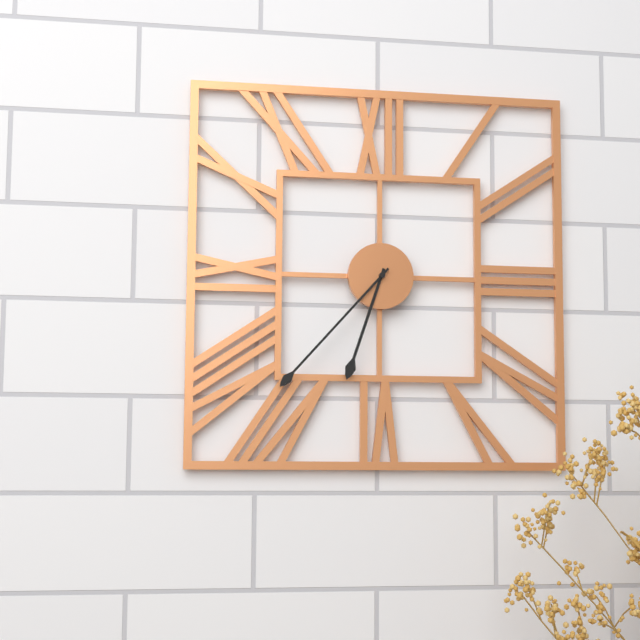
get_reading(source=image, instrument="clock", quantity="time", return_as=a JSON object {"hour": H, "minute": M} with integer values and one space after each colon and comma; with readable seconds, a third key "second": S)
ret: {"hour": 6, "minute": 37}
